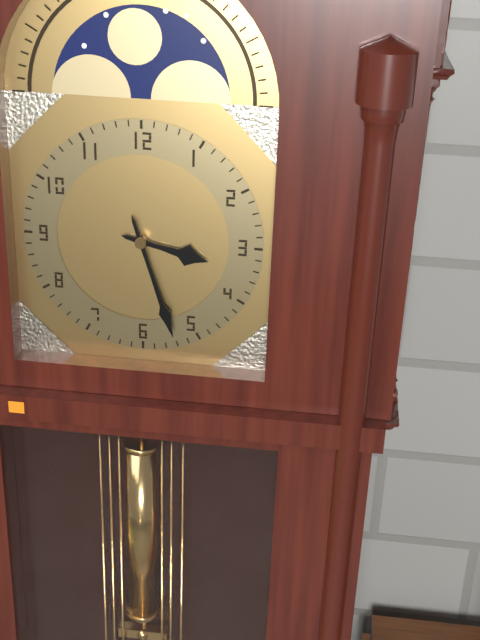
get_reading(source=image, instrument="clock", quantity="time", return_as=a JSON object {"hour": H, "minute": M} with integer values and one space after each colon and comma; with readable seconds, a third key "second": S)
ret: {"hour": 3, "minute": 27}
